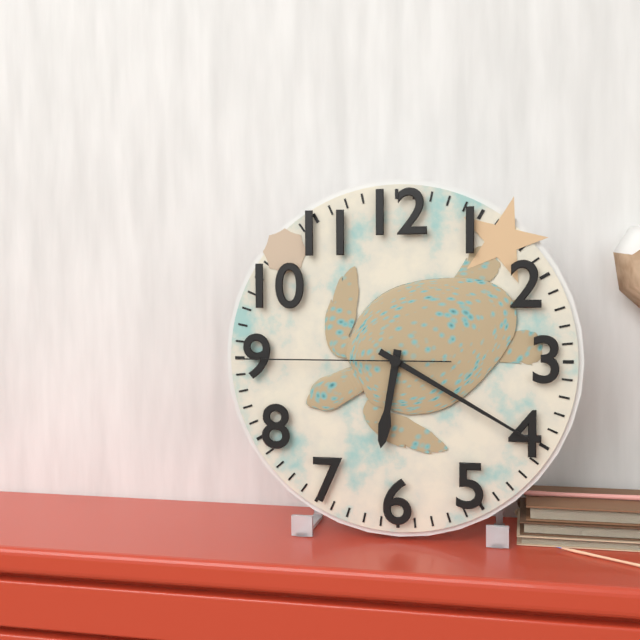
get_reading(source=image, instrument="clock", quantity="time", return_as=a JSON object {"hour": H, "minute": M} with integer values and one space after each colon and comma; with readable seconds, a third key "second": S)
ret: {"hour": 6, "minute": 20, "second": 45}
